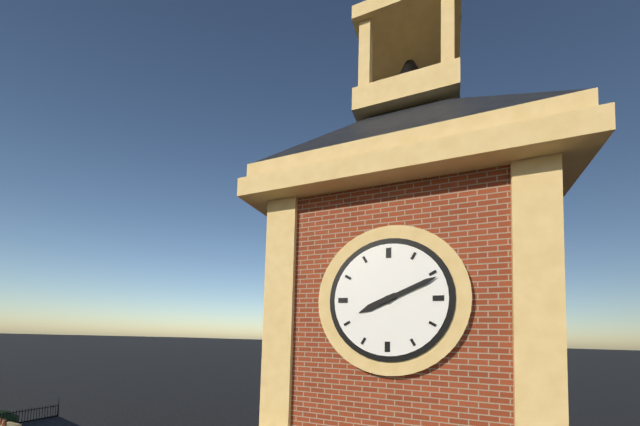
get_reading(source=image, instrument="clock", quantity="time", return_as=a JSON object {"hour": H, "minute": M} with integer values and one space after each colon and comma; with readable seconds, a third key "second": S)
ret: {"hour": 8, "minute": 11}
